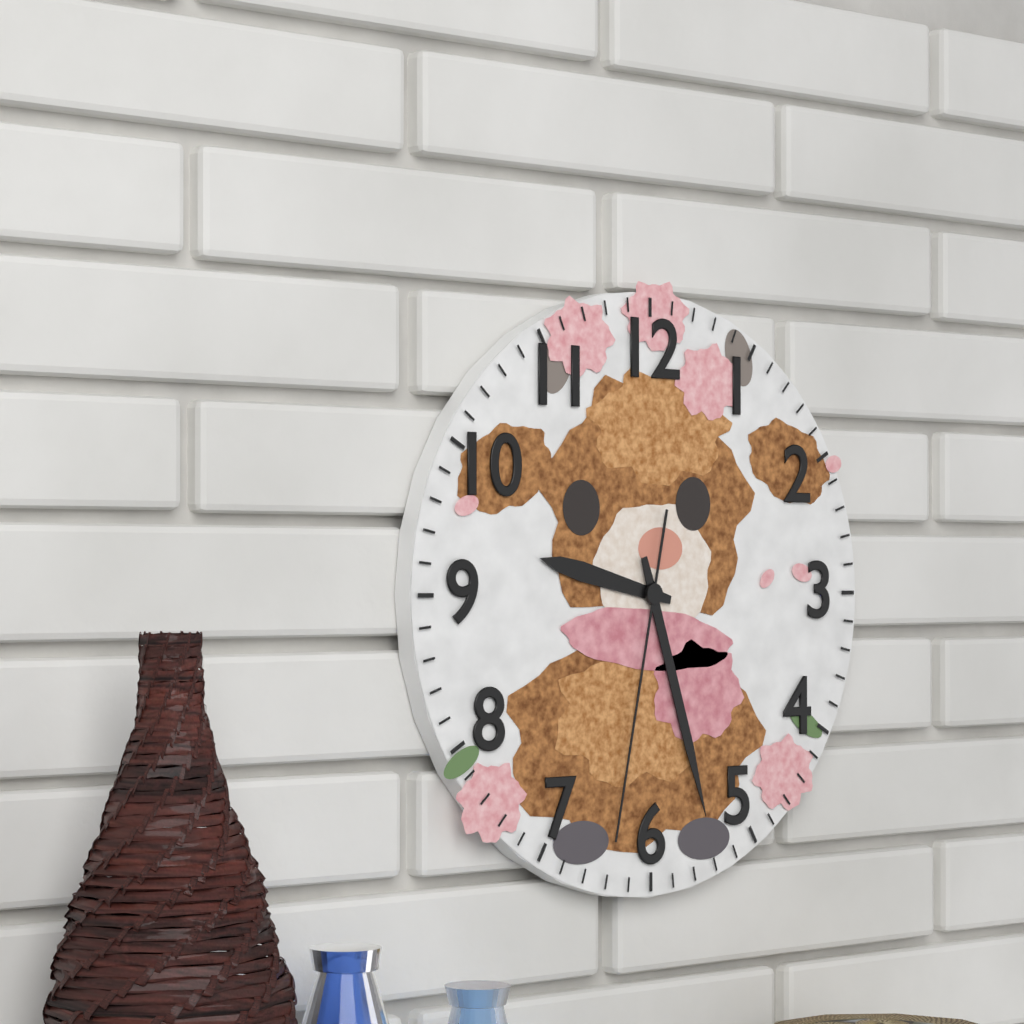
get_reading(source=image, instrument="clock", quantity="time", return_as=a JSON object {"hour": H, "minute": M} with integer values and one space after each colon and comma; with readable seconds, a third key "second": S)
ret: {"hour": 9, "minute": 27, "second": 32}
